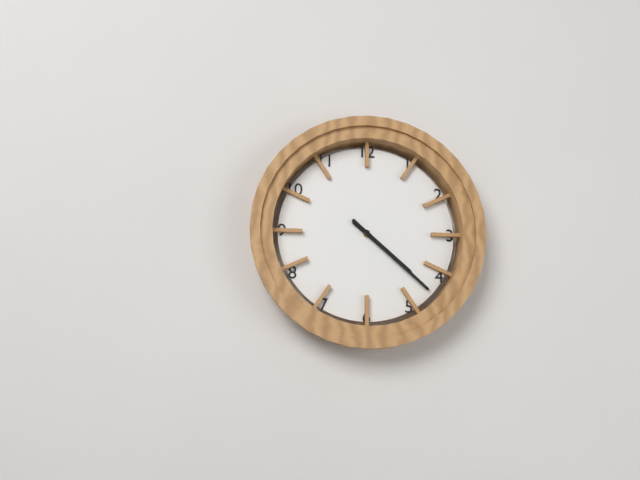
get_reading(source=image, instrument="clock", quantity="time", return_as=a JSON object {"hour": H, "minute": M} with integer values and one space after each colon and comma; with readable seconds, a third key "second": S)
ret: {"hour": 4, "minute": 22}
